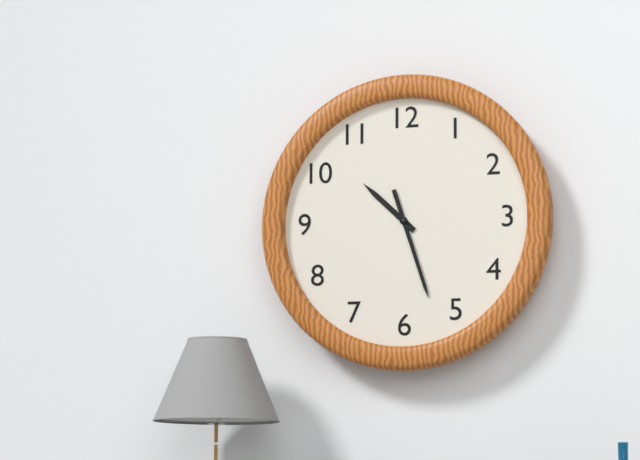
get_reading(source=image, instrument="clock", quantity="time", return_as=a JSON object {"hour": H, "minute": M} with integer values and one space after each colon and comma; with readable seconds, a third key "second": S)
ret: {"hour": 10, "minute": 27}
